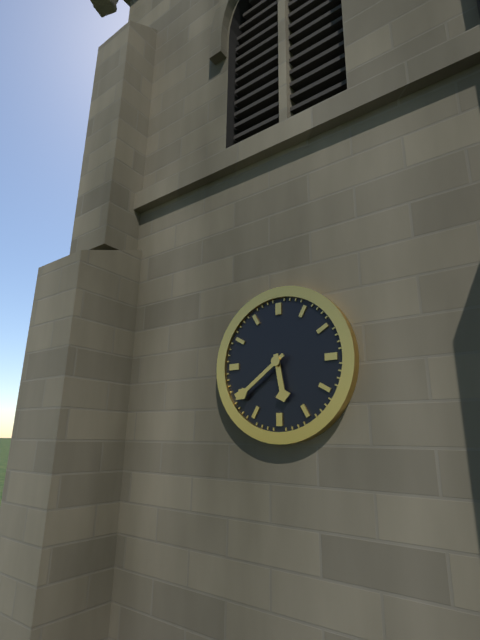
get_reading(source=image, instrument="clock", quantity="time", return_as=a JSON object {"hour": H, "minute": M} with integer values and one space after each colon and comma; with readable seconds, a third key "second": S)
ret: {"hour": 5, "minute": 39}
